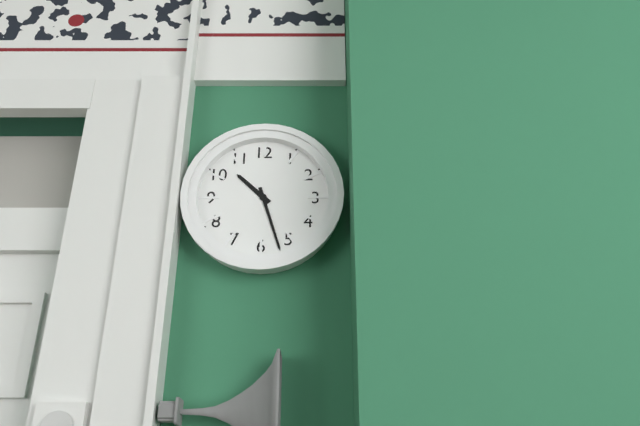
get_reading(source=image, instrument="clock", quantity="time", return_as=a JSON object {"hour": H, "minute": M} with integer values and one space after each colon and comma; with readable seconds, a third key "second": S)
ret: {"hour": 10, "minute": 27}
